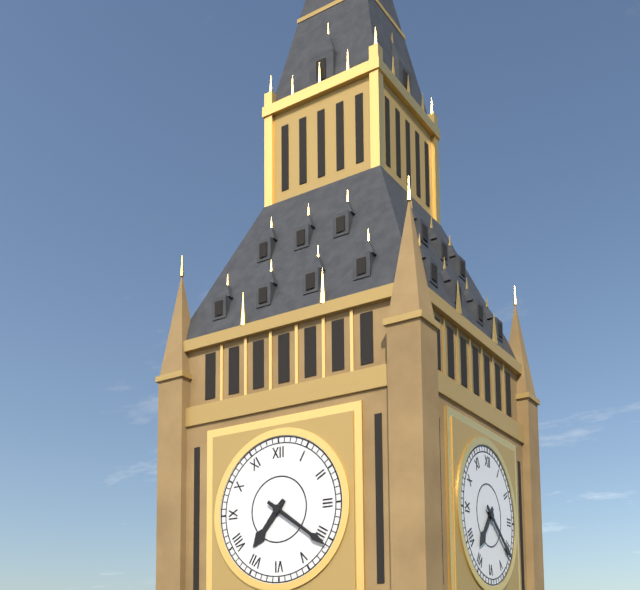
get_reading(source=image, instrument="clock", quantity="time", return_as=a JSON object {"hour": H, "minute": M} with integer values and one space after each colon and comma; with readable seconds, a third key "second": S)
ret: {"hour": 7, "minute": 21}
